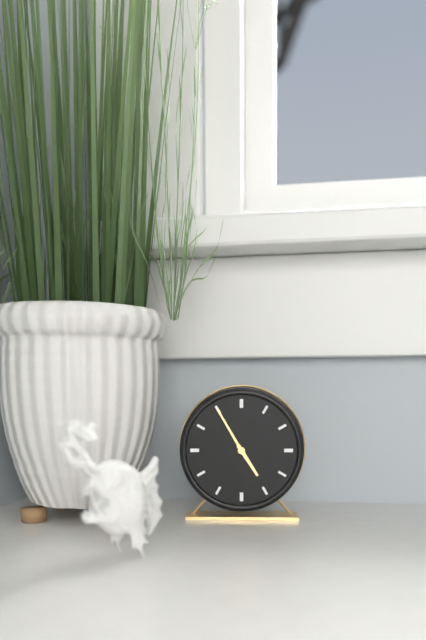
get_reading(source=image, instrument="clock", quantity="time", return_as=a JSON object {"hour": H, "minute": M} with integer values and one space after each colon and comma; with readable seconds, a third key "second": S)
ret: {"hour": 4, "minute": 55}
